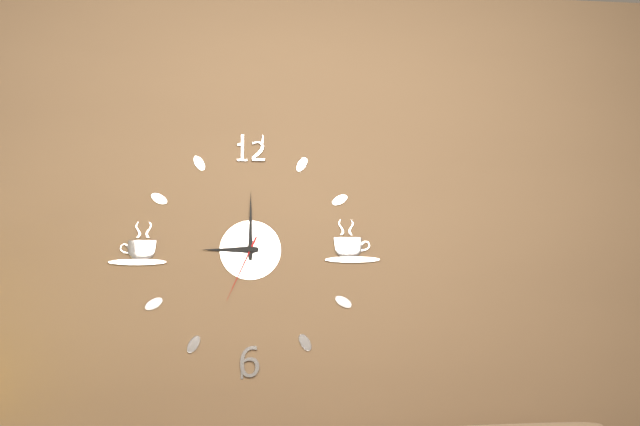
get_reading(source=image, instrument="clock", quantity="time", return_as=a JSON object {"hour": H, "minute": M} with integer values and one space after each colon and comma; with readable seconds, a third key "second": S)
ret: {"hour": 9, "minute": 0, "second": 34}
